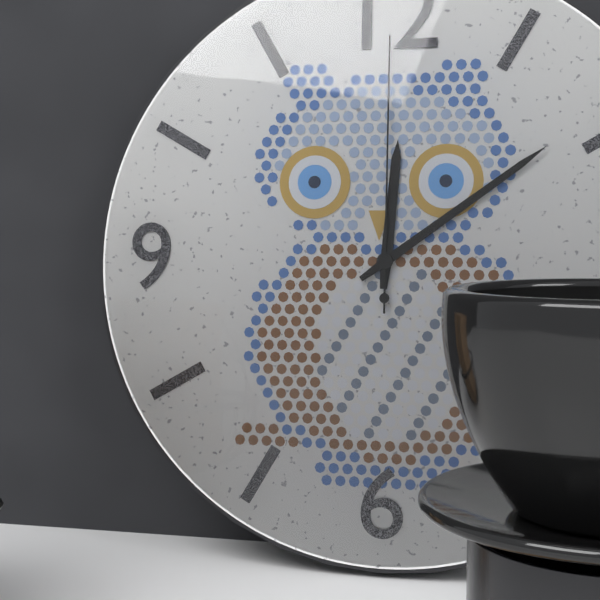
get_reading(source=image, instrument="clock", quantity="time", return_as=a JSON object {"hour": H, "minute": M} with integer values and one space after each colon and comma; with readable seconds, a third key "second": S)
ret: {"hour": 12, "minute": 9, "second": 0}
